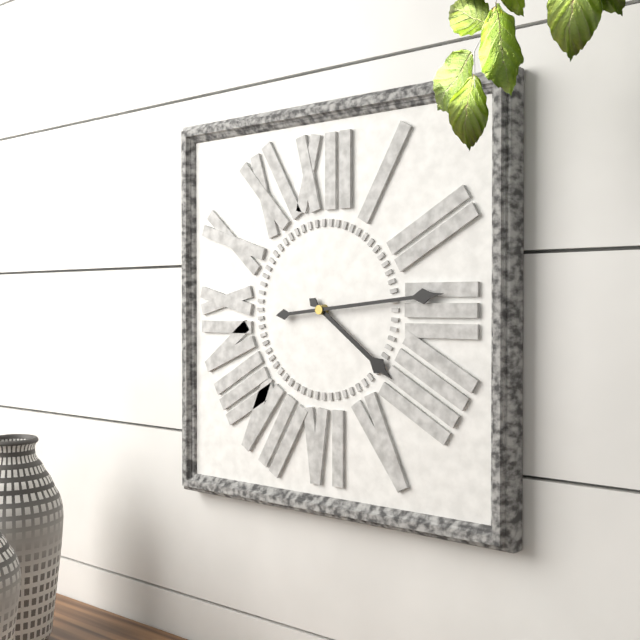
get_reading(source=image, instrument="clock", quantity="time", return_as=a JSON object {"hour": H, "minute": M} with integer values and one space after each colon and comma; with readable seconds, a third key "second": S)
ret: {"hour": 4, "minute": 14}
